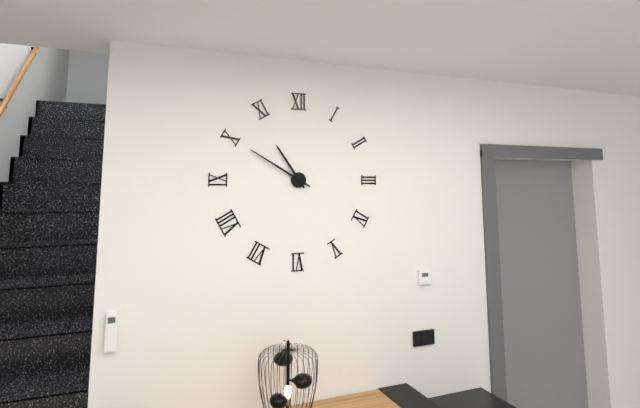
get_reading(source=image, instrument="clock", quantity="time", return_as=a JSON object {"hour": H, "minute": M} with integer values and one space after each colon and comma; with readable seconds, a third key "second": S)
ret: {"hour": 10, "minute": 50}
